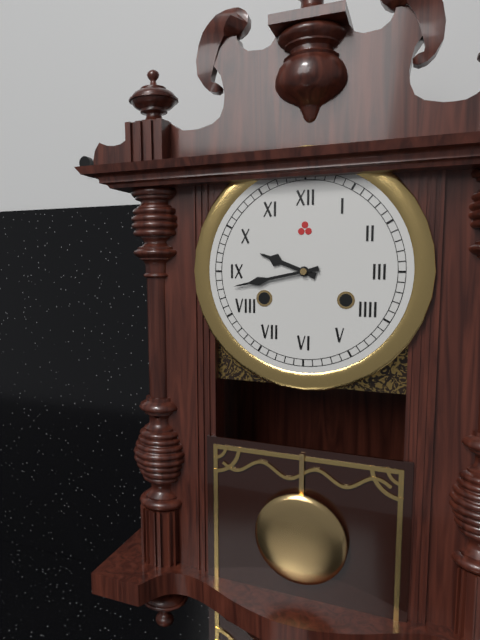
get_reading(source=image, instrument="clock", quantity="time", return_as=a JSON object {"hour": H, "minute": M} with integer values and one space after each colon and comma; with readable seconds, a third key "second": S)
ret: {"hour": 9, "minute": 43}
